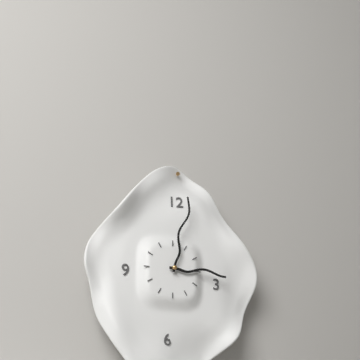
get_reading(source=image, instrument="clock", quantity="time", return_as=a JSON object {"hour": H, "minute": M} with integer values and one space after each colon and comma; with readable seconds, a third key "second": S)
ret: {"hour": 3, "minute": 2}
